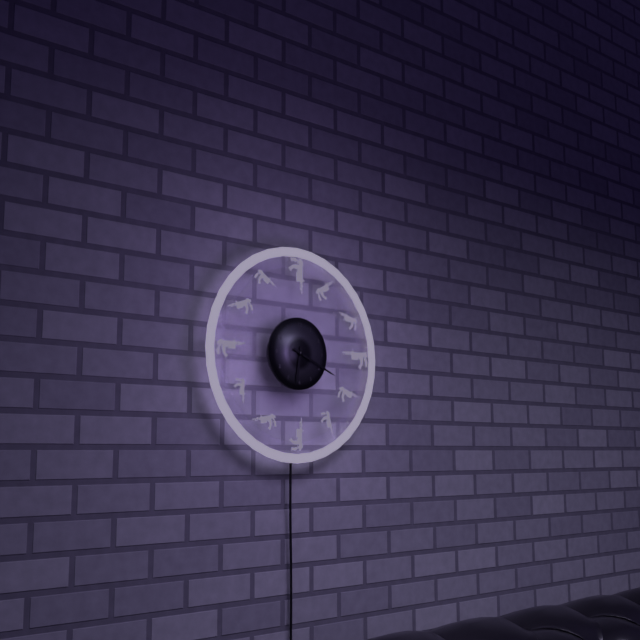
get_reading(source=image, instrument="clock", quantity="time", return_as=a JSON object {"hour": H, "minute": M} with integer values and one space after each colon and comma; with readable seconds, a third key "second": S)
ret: {"hour": 6, "minute": 19}
